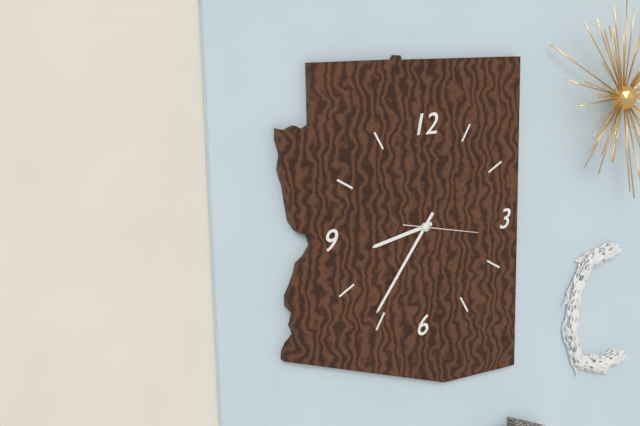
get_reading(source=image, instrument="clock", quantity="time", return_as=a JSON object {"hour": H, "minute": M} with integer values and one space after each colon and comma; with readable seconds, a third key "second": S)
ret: {"hour": 8, "minute": 36, "second": 17}
